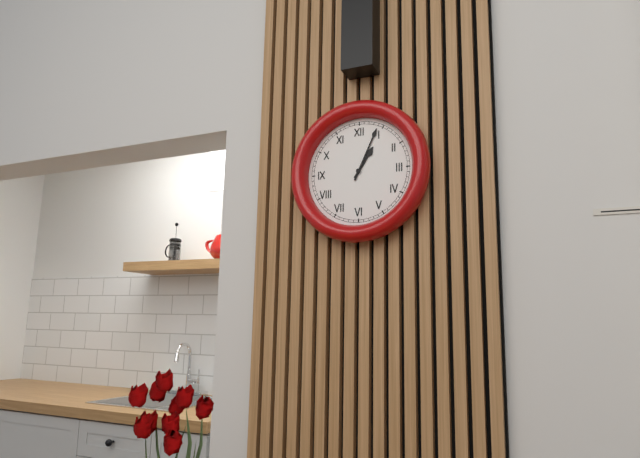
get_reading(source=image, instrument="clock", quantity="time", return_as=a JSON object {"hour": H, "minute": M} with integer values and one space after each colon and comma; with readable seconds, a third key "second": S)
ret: {"hour": 1, "minute": 4}
